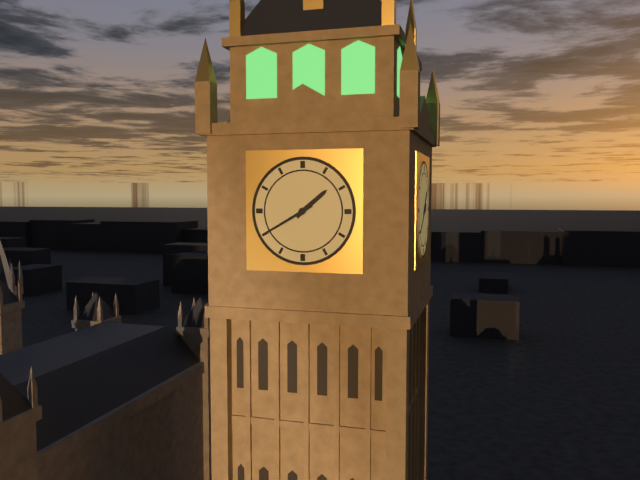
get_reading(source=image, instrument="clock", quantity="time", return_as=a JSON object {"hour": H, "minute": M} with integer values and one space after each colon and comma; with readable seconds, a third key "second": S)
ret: {"hour": 1, "minute": 40}
